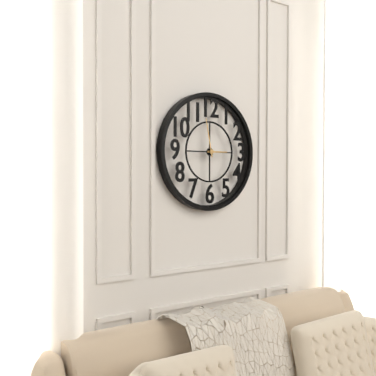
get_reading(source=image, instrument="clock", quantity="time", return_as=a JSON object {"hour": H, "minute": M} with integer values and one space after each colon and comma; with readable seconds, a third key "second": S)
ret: {"hour": 2, "minute": 58}
